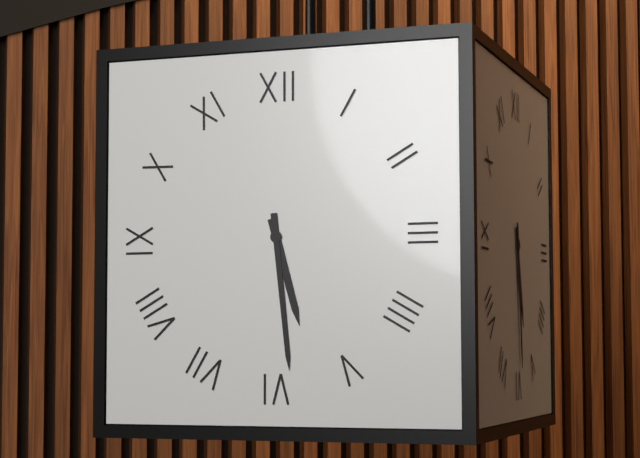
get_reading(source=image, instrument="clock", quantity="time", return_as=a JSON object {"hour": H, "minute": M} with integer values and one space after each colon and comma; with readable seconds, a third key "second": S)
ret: {"hour": 5, "minute": 29}
